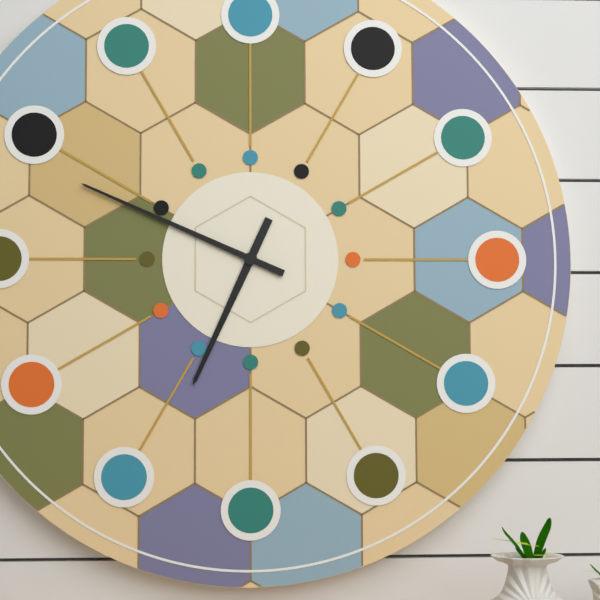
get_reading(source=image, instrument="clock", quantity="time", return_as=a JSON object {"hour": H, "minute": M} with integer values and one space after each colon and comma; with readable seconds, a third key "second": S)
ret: {"hour": 6, "minute": 49}
